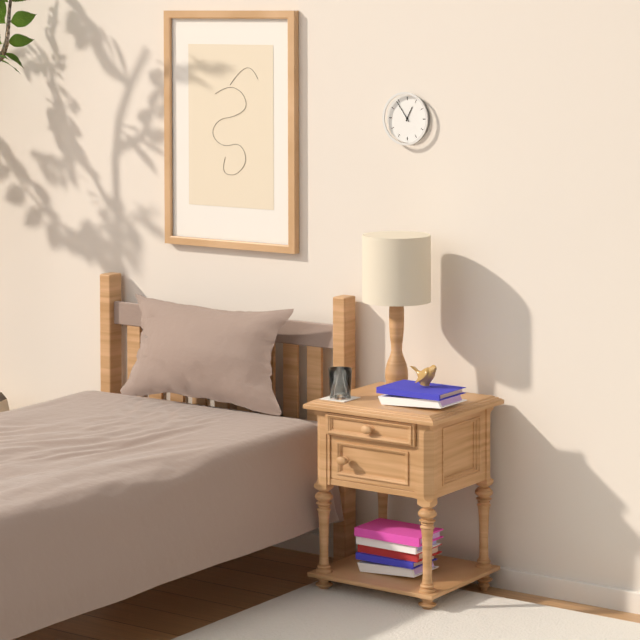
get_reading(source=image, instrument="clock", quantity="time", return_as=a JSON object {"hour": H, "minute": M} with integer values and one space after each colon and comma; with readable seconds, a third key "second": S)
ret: {"hour": 12, "minute": 54}
